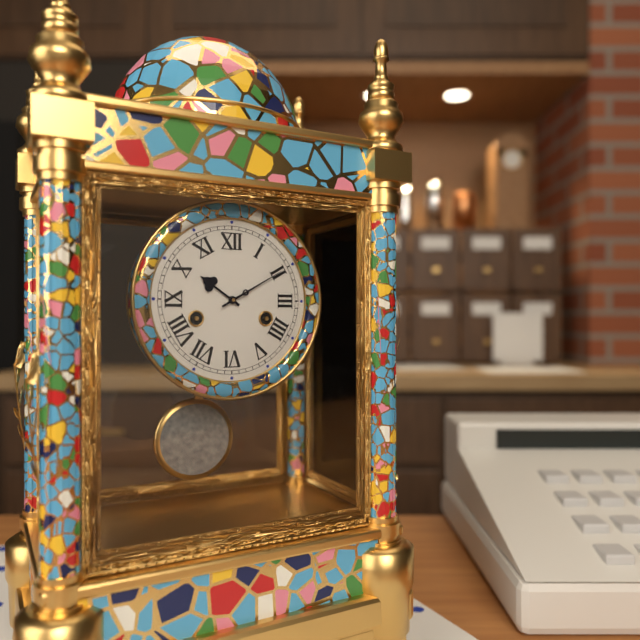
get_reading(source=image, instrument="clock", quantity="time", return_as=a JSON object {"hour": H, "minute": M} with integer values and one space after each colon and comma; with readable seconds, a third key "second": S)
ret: {"hour": 10, "minute": 10}
